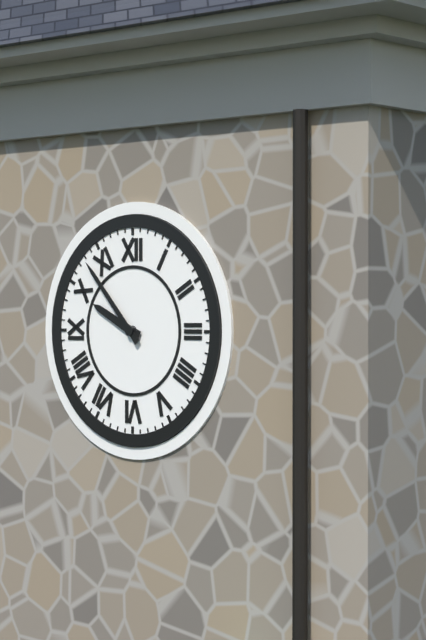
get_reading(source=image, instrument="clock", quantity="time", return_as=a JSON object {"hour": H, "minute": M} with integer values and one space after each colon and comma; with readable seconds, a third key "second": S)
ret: {"hour": 9, "minute": 53}
